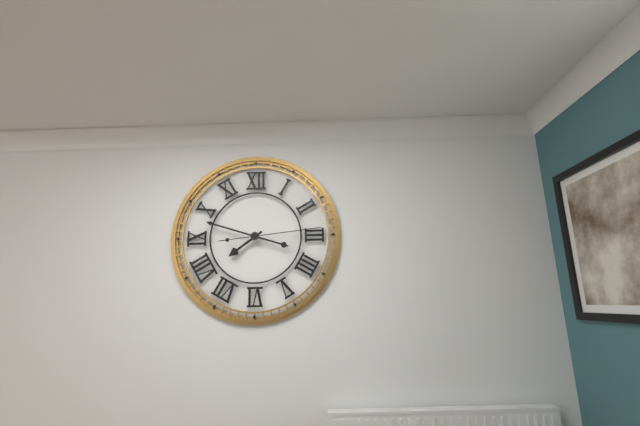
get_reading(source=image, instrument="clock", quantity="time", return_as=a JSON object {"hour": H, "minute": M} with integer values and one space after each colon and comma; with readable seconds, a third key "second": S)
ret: {"hour": 7, "minute": 48, "second": 14}
